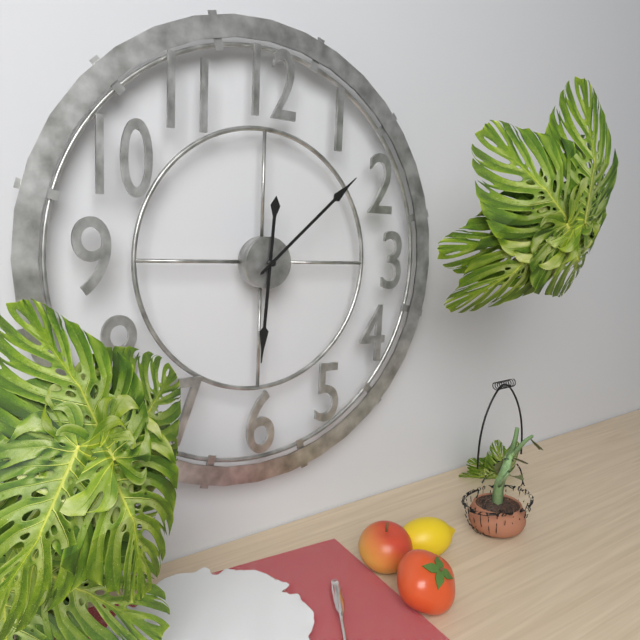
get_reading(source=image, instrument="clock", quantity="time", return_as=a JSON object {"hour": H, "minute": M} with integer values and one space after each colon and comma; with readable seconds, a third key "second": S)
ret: {"hour": 6, "minute": 8}
